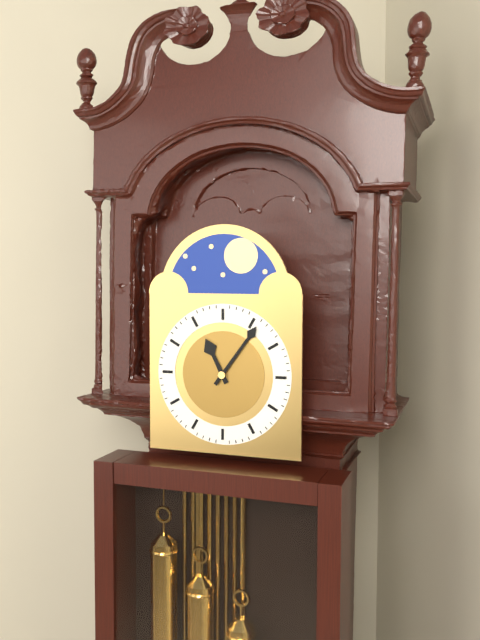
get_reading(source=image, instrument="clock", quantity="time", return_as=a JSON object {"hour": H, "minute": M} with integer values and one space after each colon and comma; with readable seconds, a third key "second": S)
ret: {"hour": 11, "minute": 6}
